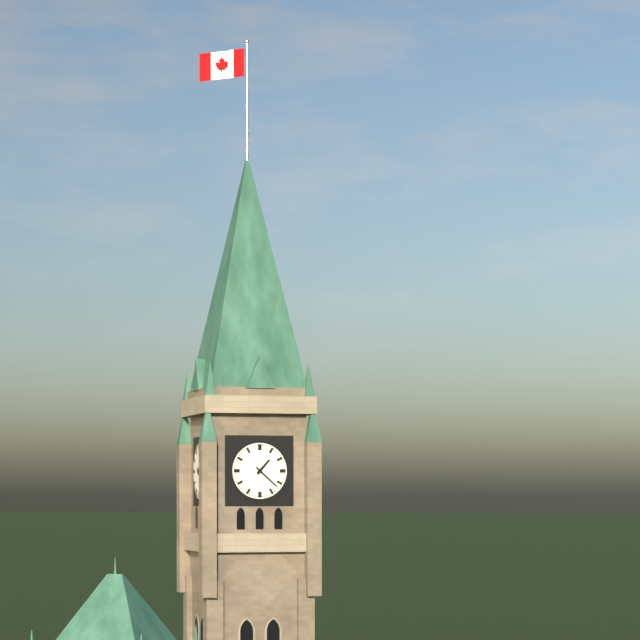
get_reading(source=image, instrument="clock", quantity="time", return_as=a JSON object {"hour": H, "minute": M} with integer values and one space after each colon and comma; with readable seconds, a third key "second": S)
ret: {"hour": 1, "minute": 22}
